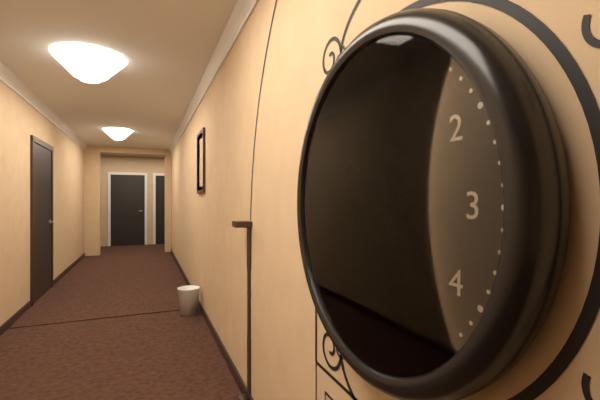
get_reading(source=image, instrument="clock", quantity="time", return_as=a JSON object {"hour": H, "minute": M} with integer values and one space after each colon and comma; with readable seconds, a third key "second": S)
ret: {"hour": 10, "minute": 49}
